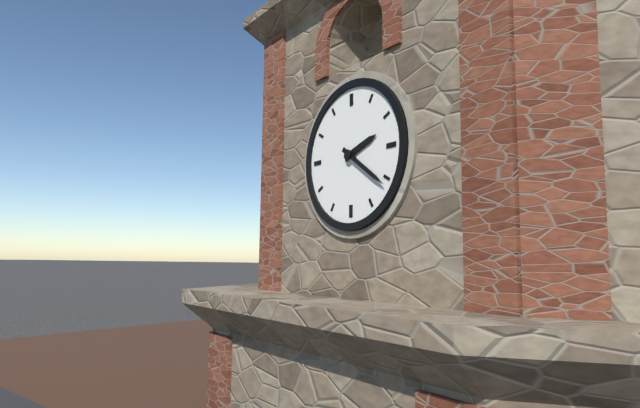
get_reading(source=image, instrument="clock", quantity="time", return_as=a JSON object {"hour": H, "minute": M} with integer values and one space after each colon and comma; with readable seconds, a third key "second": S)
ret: {"hour": 2, "minute": 21}
